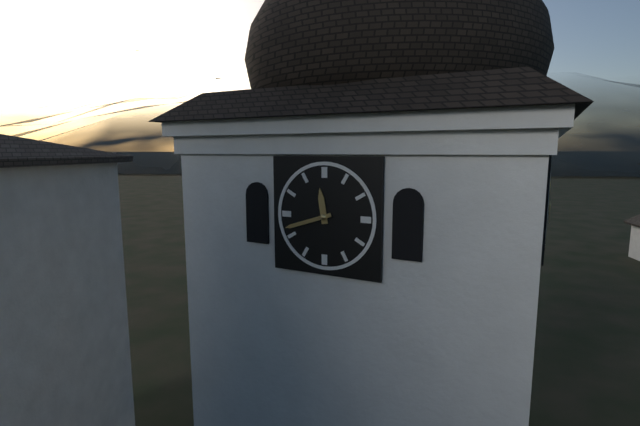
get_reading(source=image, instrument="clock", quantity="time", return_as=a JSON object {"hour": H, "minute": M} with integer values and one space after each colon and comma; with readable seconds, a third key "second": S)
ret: {"hour": 11, "minute": 42}
